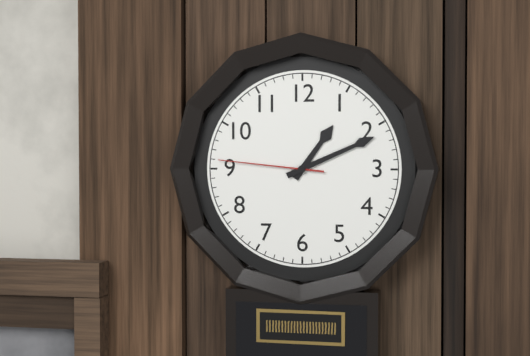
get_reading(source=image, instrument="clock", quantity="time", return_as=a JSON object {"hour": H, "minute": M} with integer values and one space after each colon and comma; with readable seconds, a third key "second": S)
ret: {"hour": 1, "minute": 11, "second": 46}
